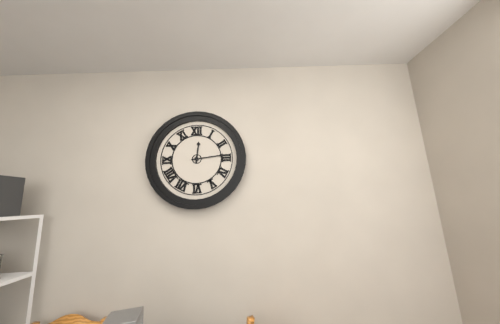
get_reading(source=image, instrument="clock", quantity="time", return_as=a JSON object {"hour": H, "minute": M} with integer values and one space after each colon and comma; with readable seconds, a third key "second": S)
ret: {"hour": 12, "minute": 14}
